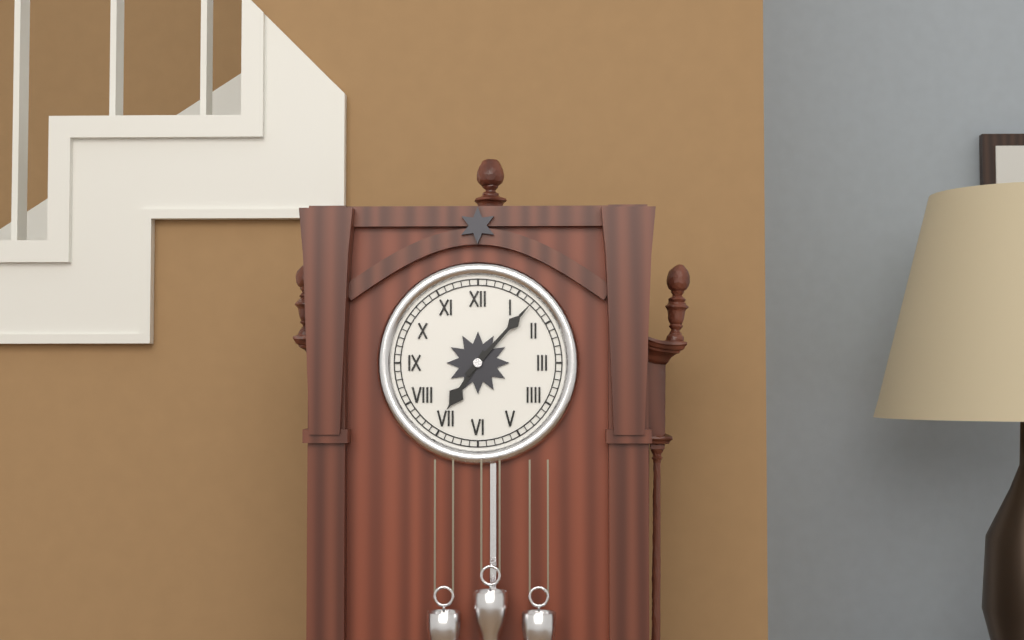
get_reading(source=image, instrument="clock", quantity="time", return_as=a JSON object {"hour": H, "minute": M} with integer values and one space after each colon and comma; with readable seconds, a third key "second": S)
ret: {"hour": 7, "minute": 7}
